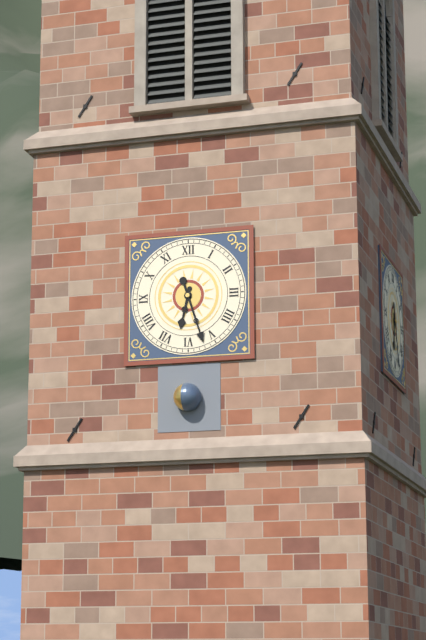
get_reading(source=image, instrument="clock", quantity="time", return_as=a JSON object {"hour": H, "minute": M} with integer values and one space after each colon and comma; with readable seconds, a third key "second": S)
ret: {"hour": 6, "minute": 27}
